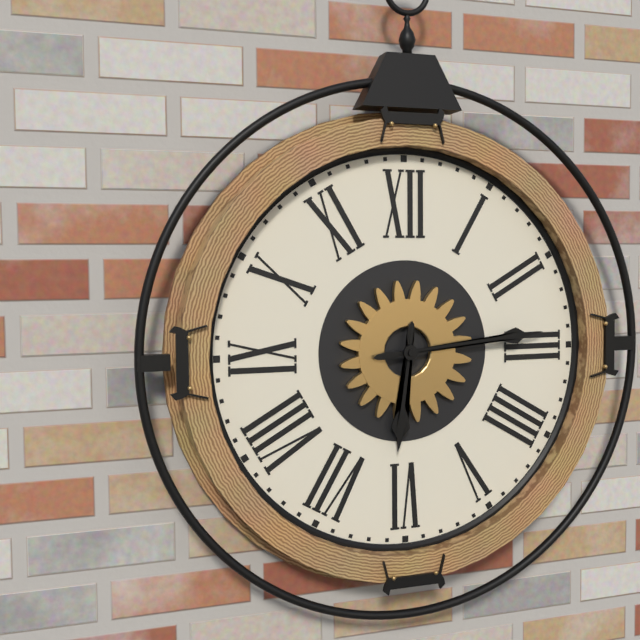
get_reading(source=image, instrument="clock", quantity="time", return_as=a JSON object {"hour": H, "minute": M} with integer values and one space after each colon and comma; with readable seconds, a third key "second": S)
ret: {"hour": 6, "minute": 14}
